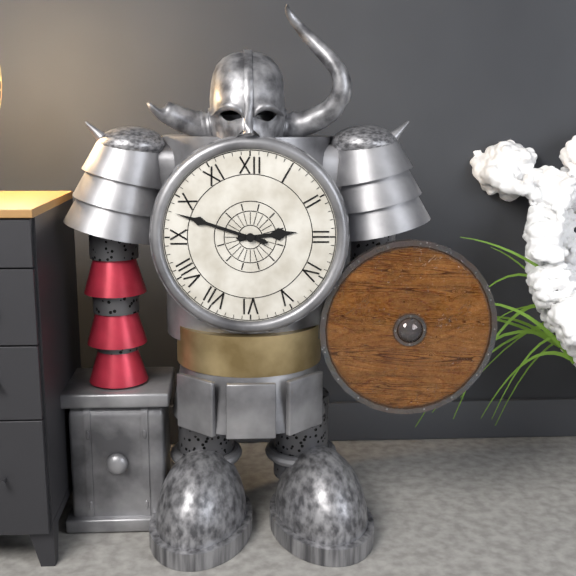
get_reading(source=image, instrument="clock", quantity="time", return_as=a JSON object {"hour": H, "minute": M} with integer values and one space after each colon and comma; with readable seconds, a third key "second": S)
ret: {"hour": 2, "minute": 48}
